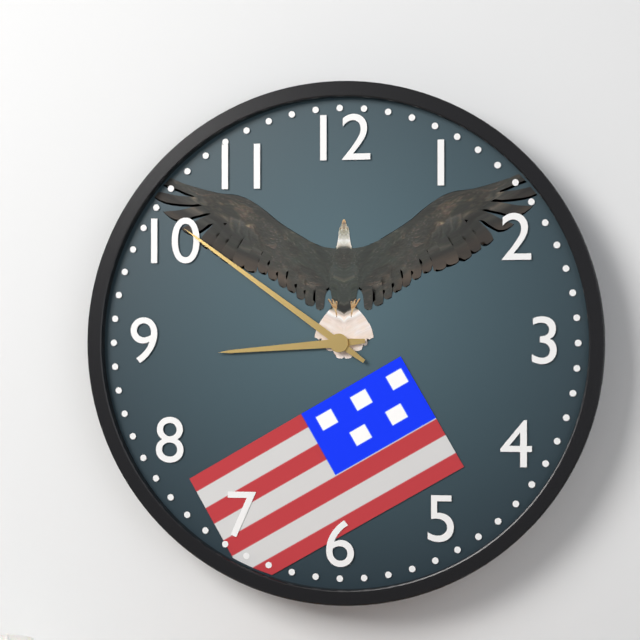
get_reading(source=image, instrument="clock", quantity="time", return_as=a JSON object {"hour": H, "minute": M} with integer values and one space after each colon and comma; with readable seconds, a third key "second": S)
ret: {"hour": 8, "minute": 51}
